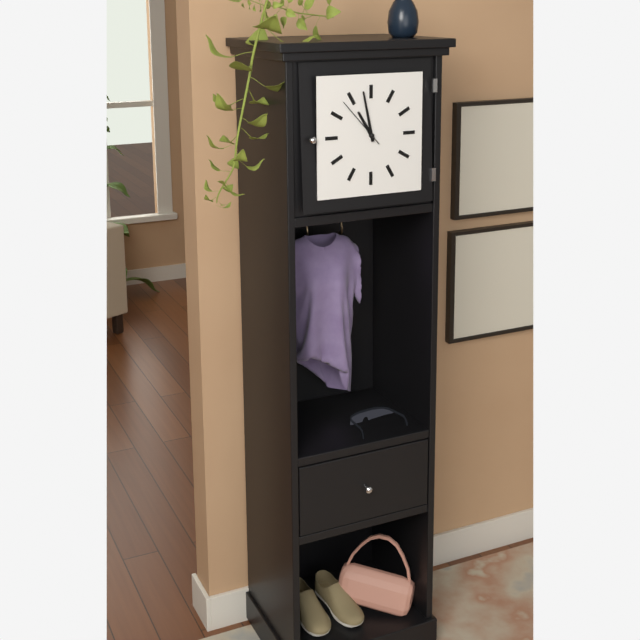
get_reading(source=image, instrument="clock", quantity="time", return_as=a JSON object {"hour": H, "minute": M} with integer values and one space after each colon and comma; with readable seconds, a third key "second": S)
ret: {"hour": 10, "minute": 58, "second": 53}
